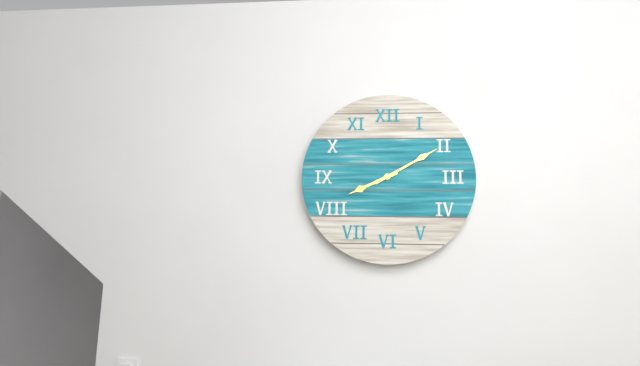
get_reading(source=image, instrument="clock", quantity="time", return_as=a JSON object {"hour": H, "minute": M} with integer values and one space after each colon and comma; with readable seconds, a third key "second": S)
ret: {"hour": 8, "minute": 10}
